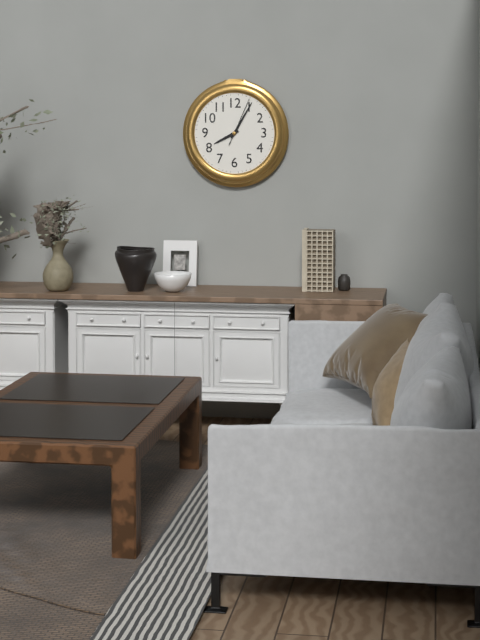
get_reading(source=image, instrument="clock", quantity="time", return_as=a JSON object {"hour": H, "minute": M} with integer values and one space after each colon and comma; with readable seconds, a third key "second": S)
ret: {"hour": 8, "minute": 5}
